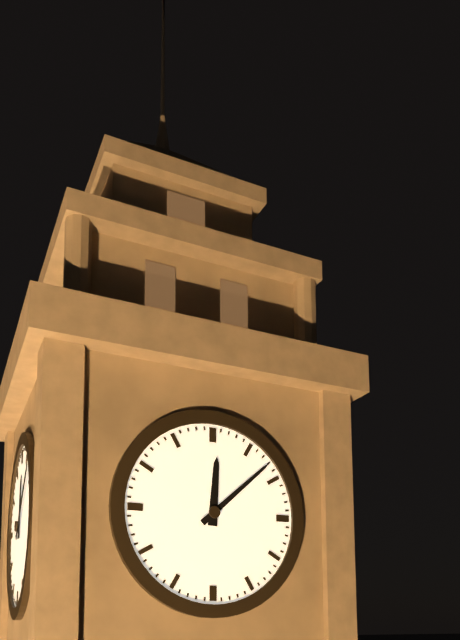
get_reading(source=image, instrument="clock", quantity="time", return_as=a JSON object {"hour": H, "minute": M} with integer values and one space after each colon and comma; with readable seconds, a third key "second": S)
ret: {"hour": 12, "minute": 8}
